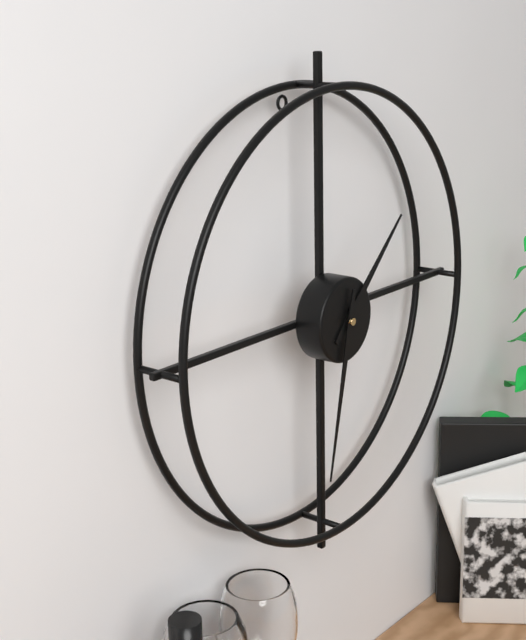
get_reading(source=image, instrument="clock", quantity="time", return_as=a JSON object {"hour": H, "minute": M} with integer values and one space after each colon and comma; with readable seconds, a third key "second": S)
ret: {"hour": 1, "minute": 32}
